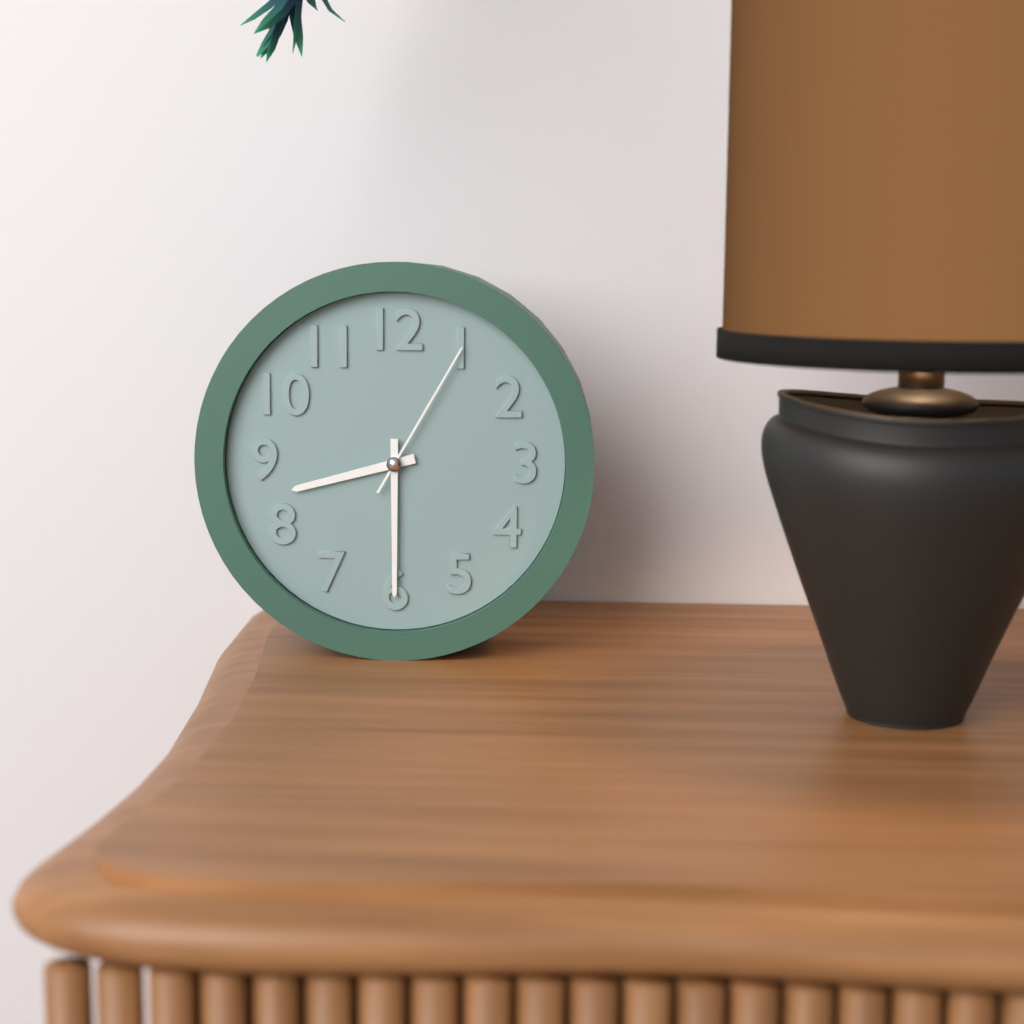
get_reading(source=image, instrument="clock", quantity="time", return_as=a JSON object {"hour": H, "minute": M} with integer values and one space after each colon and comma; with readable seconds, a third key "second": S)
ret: {"hour": 8, "minute": 30, "second": 5}
